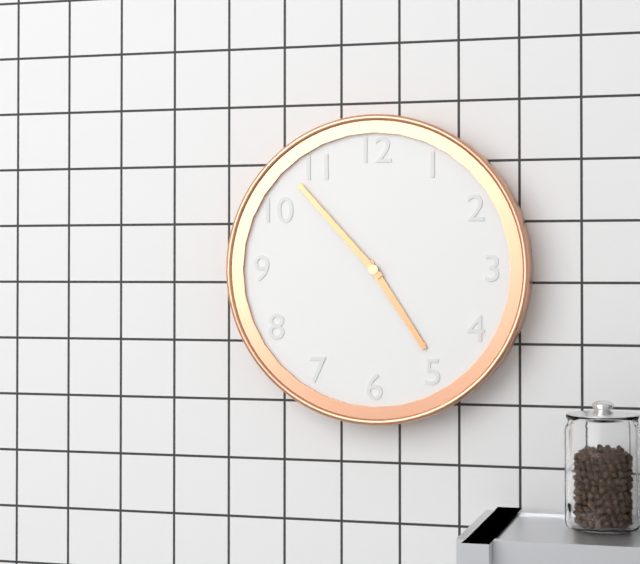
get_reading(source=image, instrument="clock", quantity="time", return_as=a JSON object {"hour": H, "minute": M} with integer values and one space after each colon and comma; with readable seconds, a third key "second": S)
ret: {"hour": 4, "minute": 53}
